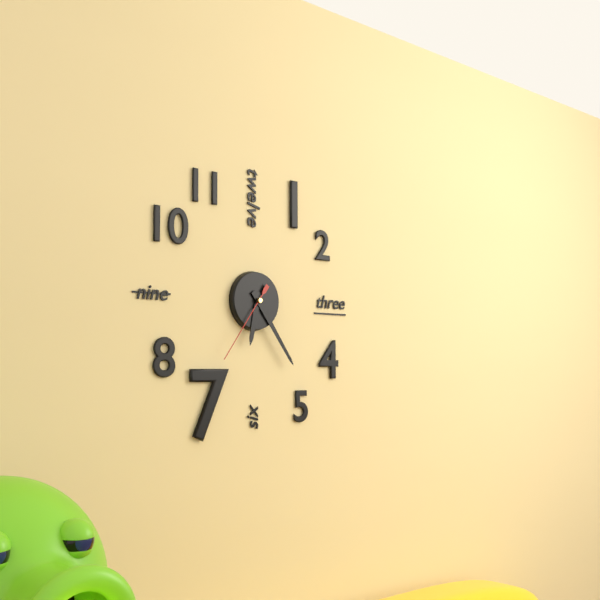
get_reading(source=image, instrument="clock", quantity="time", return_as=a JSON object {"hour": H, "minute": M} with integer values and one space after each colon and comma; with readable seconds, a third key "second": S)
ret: {"hour": 6, "minute": 24, "second": 36}
